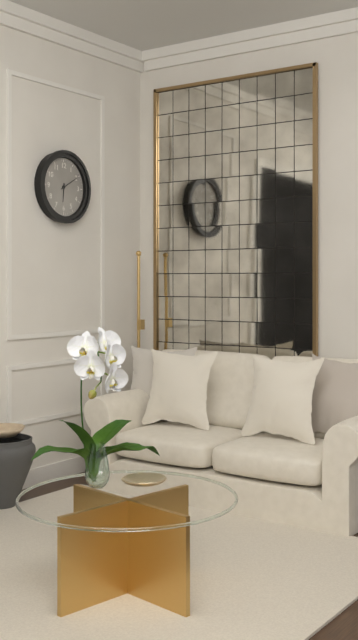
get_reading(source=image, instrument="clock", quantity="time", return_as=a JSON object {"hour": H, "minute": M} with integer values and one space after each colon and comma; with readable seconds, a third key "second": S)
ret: {"hour": 6, "minute": 10}
